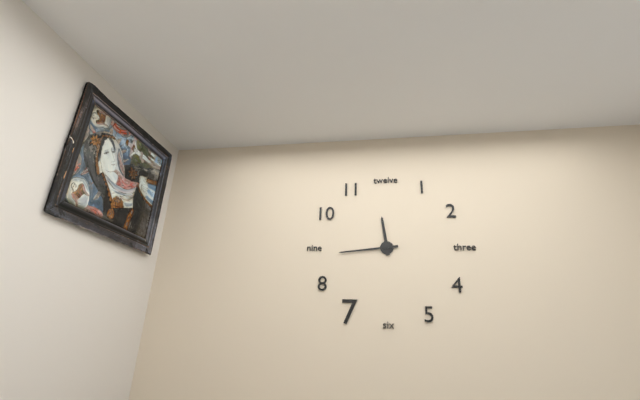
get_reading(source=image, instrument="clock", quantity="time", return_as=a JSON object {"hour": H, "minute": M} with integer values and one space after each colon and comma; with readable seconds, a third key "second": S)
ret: {"hour": 11, "minute": 44}
